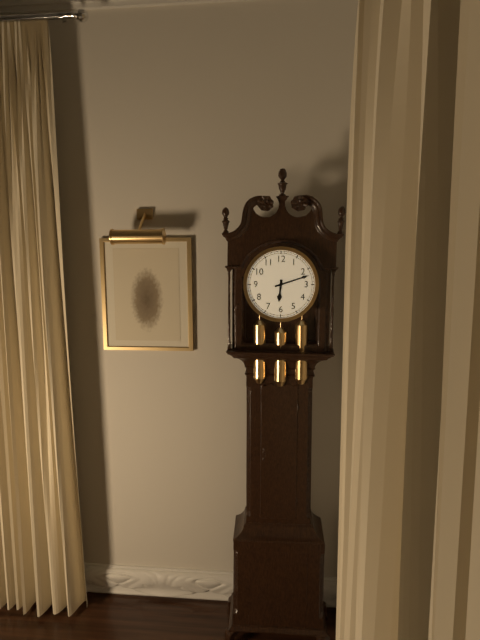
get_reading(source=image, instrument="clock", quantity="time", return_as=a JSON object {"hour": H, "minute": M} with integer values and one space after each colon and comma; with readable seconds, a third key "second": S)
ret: {"hour": 6, "minute": 12}
